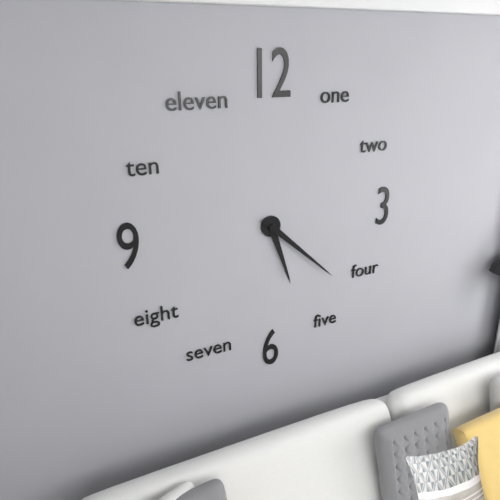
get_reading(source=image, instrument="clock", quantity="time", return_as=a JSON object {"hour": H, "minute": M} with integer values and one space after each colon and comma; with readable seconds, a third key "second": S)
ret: {"hour": 5, "minute": 22}
